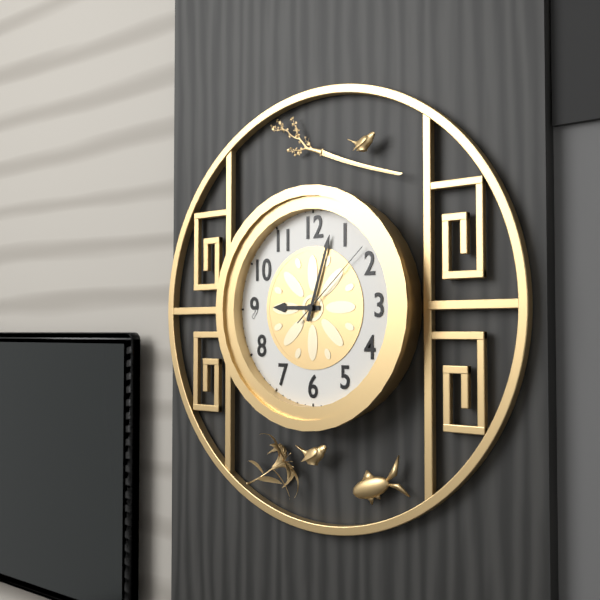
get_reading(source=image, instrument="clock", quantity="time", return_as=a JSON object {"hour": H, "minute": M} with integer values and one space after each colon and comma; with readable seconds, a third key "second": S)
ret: {"hour": 9, "minute": 3, "second": 8}
